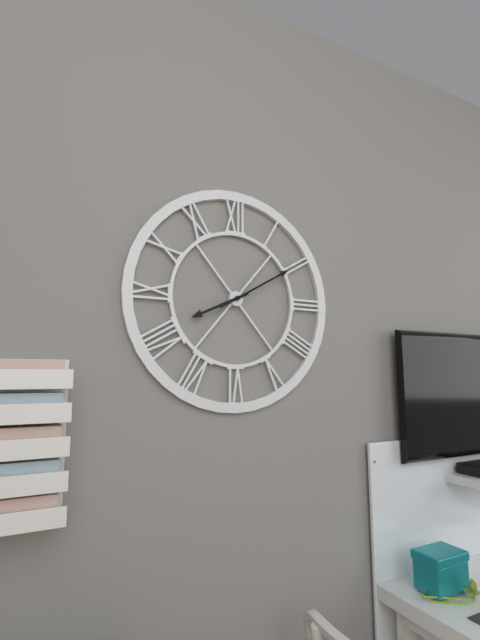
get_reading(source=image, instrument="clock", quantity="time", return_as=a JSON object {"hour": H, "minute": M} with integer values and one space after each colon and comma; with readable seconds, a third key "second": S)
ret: {"hour": 8, "minute": 10}
